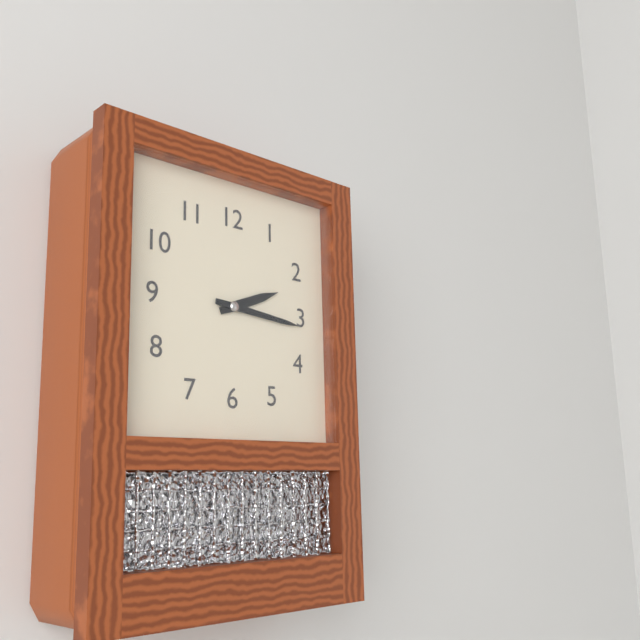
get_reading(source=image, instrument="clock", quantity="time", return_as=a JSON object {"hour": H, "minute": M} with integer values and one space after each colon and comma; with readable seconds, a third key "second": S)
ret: {"hour": 2, "minute": 16}
